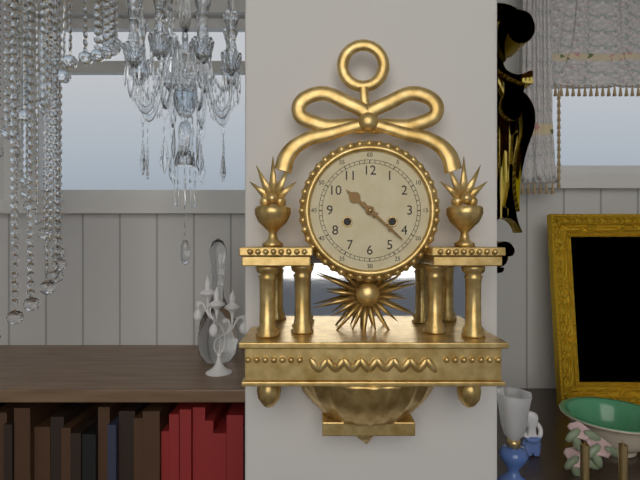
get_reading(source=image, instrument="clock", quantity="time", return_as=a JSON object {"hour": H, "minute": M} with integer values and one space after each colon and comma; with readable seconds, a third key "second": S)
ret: {"hour": 10, "minute": 22}
